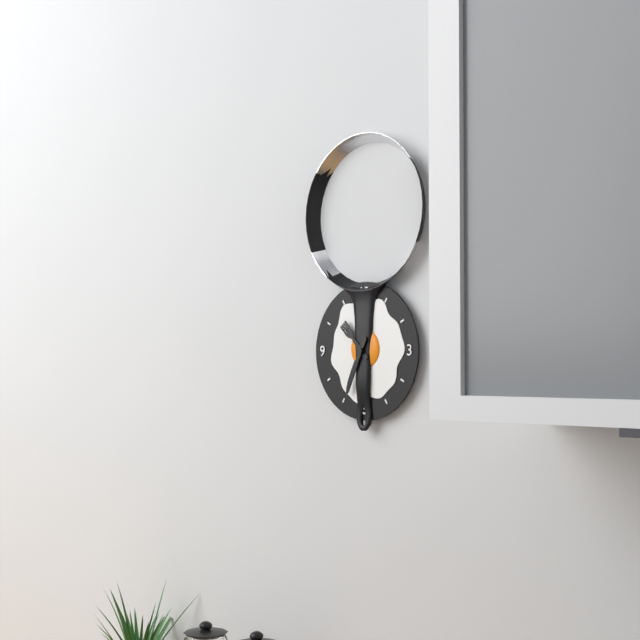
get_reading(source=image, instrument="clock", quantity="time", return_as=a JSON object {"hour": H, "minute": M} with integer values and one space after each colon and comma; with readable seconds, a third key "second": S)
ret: {"hour": 10, "minute": 34}
